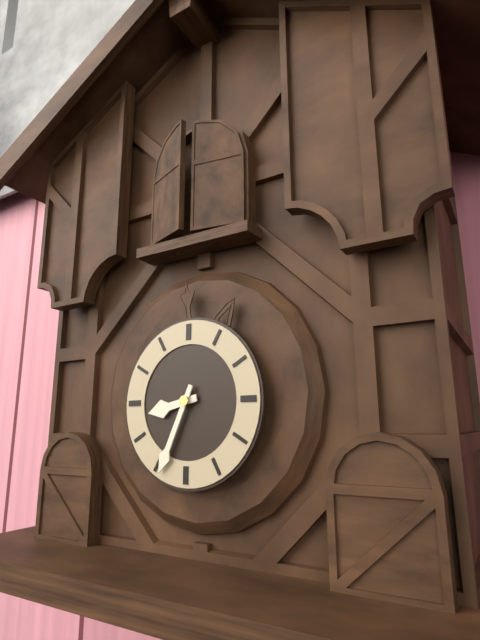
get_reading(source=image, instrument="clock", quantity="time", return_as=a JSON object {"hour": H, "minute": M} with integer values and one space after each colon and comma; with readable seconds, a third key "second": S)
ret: {"hour": 8, "minute": 34}
